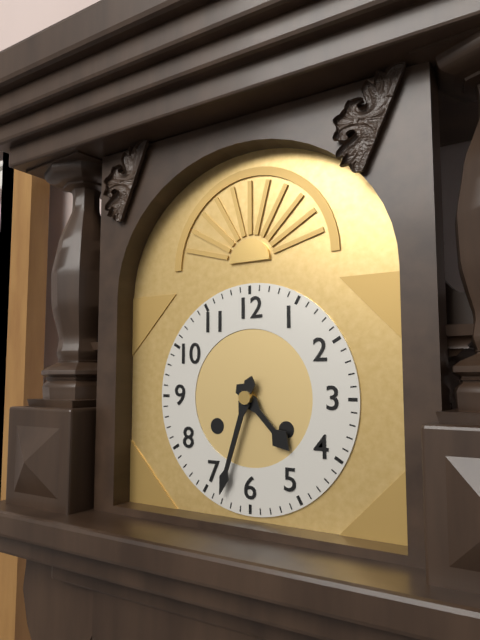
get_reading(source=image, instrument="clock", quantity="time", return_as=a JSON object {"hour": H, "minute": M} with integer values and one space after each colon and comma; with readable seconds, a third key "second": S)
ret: {"hour": 4, "minute": 33}
